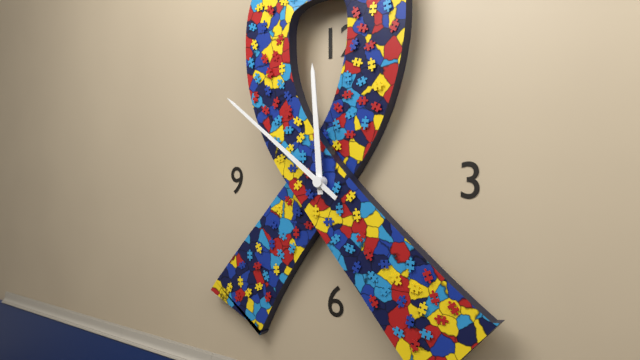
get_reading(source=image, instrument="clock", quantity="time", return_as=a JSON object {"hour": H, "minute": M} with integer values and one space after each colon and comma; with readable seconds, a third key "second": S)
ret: {"hour": 11, "minute": 51}
